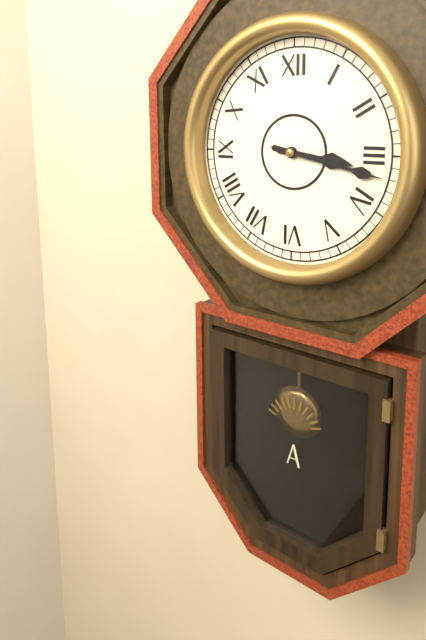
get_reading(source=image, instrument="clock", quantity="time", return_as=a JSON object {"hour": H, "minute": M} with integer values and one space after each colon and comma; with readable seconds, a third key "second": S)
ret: {"hour": 3, "minute": 17}
